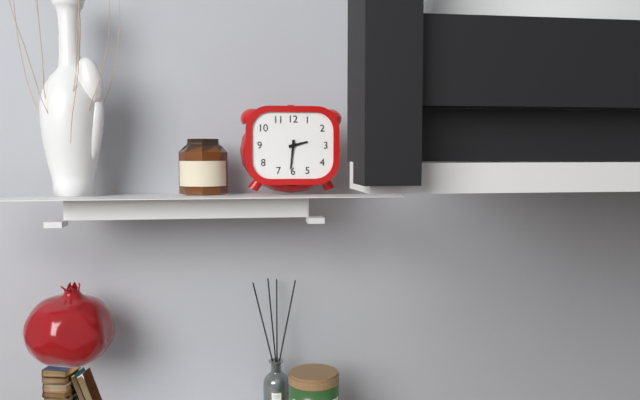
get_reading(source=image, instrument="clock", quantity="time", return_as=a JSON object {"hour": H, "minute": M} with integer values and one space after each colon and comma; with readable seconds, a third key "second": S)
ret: {"hour": 2, "minute": 31}
